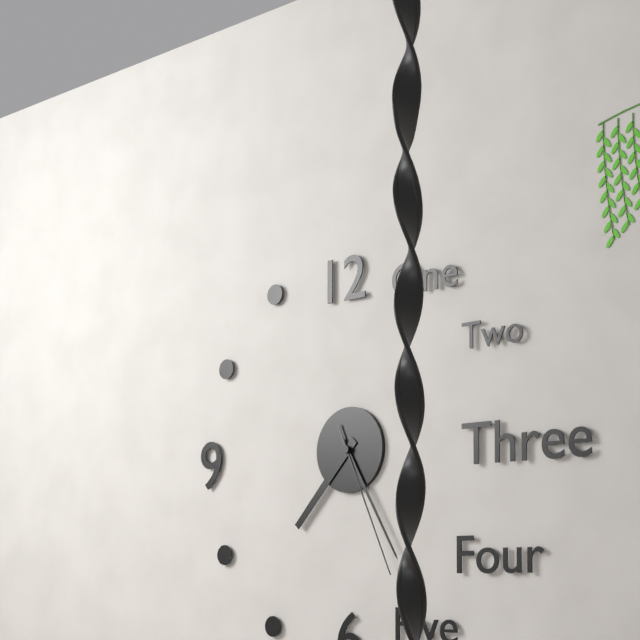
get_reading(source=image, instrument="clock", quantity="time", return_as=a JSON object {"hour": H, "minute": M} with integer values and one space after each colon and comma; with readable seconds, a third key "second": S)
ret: {"hour": 7, "minute": 25, "second": 26}
